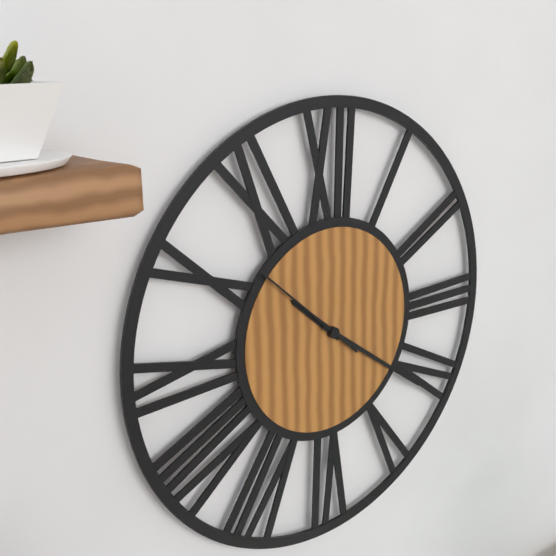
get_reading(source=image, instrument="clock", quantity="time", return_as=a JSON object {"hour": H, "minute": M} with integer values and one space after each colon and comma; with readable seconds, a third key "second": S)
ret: {"hour": 10, "minute": 21, "second": 52}
